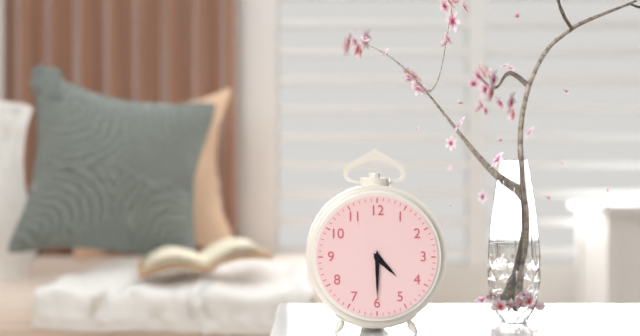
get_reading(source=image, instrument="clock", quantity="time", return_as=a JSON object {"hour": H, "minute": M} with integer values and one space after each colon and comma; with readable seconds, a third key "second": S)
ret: {"hour": 4, "minute": 30}
